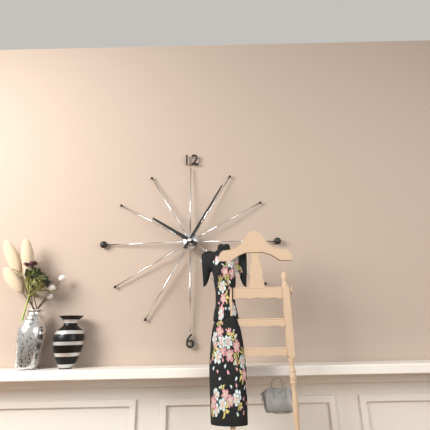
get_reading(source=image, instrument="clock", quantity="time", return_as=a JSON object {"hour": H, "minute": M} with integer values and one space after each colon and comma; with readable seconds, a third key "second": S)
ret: {"hour": 10, "minute": 5}
